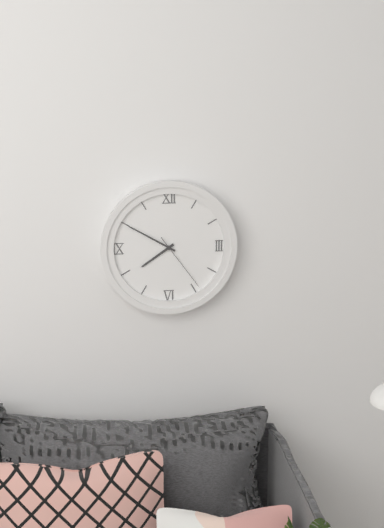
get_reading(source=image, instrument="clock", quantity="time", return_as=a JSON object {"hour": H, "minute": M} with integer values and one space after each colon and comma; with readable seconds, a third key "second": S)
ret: {"hour": 7, "minute": 50, "second": 24}
